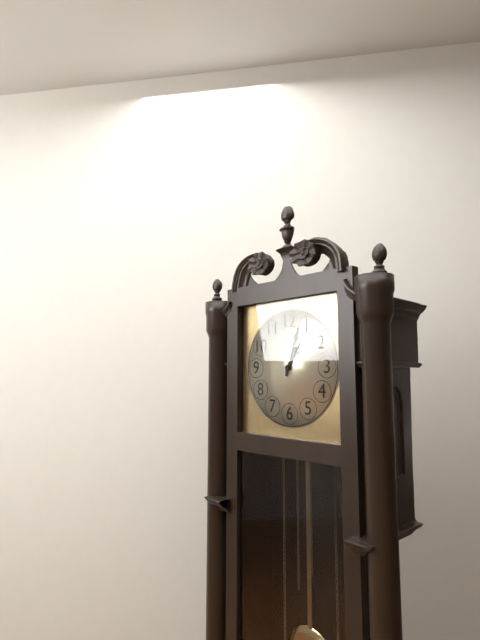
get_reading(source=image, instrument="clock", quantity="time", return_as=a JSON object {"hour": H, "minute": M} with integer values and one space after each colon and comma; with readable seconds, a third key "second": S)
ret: {"hour": 1, "minute": 3}
